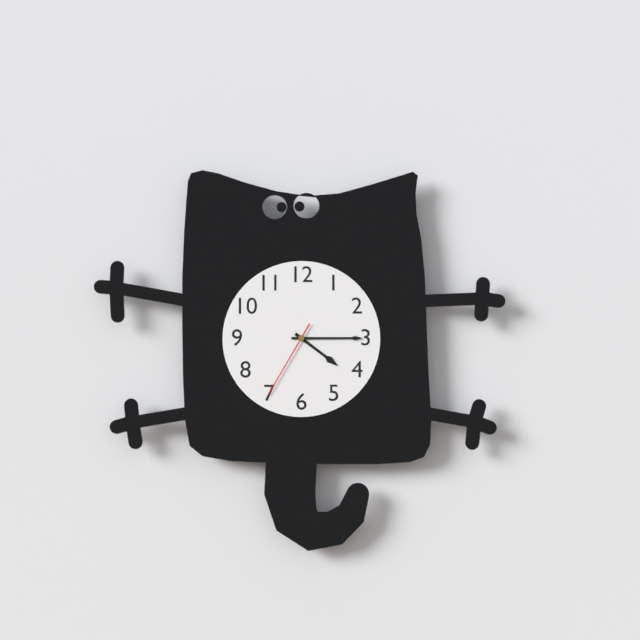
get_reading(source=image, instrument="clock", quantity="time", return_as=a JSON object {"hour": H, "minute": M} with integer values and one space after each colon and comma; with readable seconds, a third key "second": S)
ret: {"hour": 4, "minute": 15, "second": 35}
